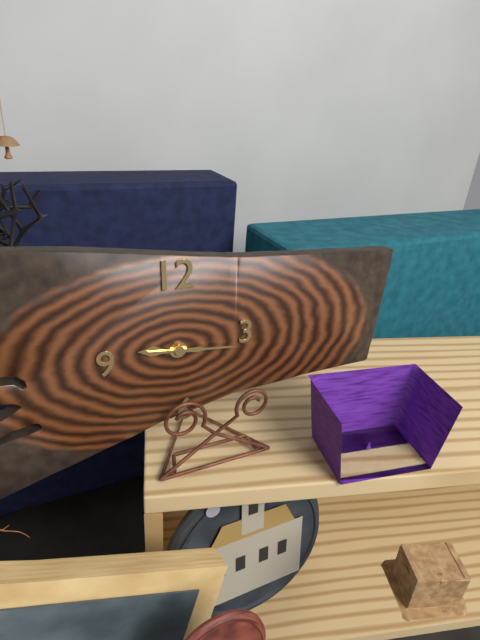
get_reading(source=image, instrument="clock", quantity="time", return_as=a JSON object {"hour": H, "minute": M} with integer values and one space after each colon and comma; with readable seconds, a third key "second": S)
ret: {"hour": 9, "minute": 16}
